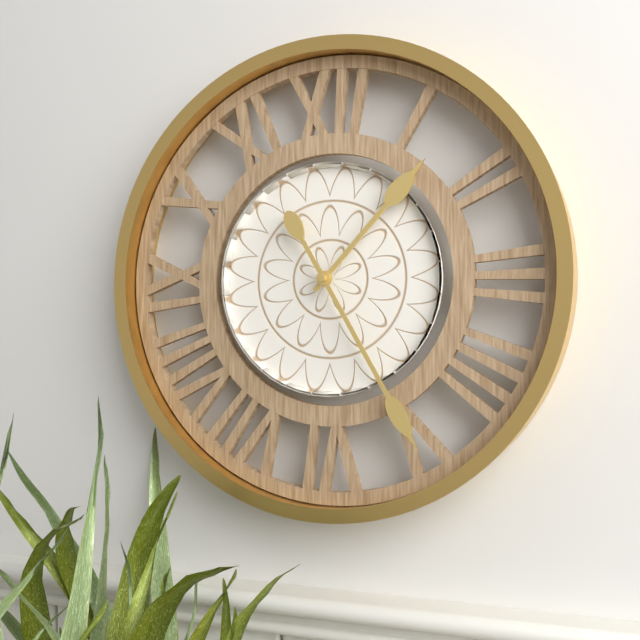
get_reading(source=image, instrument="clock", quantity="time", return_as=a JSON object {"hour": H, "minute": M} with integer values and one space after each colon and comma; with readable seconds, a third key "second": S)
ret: {"hour": 1, "minute": 25}
